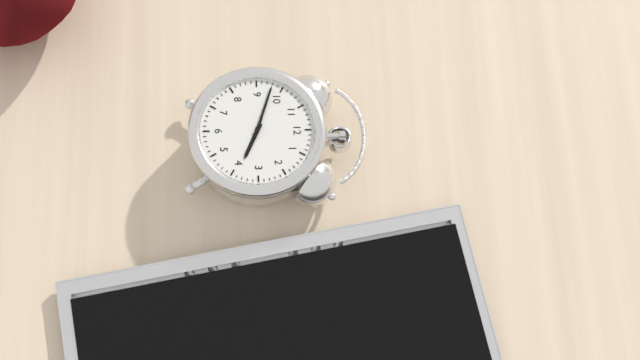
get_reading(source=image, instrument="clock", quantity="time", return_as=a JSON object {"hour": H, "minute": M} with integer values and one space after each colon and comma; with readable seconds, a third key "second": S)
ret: {"hour": 3, "minute": 48}
